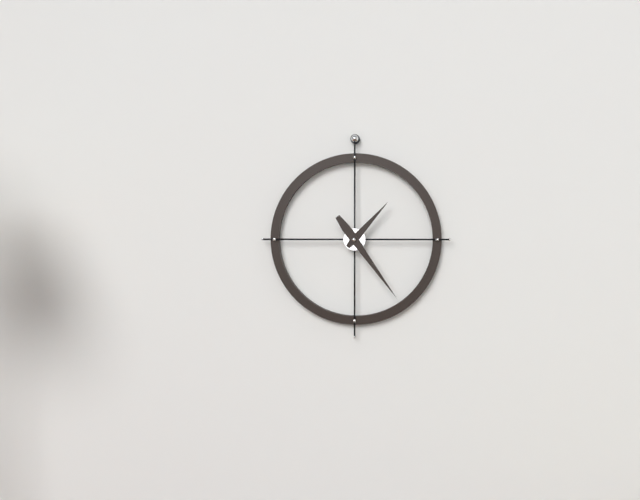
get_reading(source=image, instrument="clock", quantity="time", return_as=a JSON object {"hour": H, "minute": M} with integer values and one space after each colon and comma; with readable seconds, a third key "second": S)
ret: {"hour": 1, "minute": 24}
